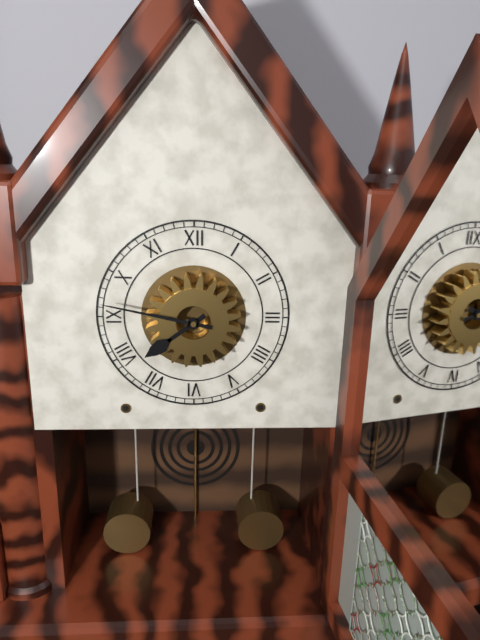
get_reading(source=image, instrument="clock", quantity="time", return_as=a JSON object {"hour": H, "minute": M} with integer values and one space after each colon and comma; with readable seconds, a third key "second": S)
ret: {"hour": 7, "minute": 47}
